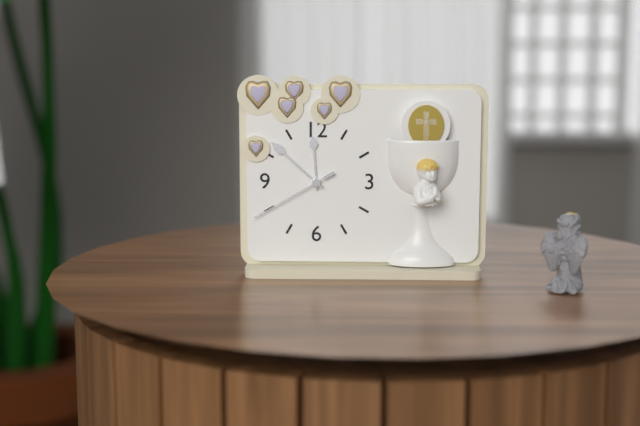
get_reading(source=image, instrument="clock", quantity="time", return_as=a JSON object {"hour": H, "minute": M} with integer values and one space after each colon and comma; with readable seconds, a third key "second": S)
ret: {"hour": 11, "minute": 52, "second": 40}
